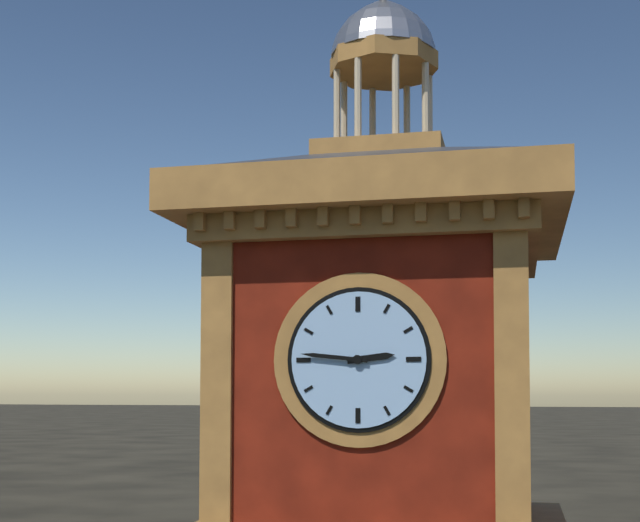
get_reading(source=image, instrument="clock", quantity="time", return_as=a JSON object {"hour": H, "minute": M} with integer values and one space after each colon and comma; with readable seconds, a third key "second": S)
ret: {"hour": 2, "minute": 46}
